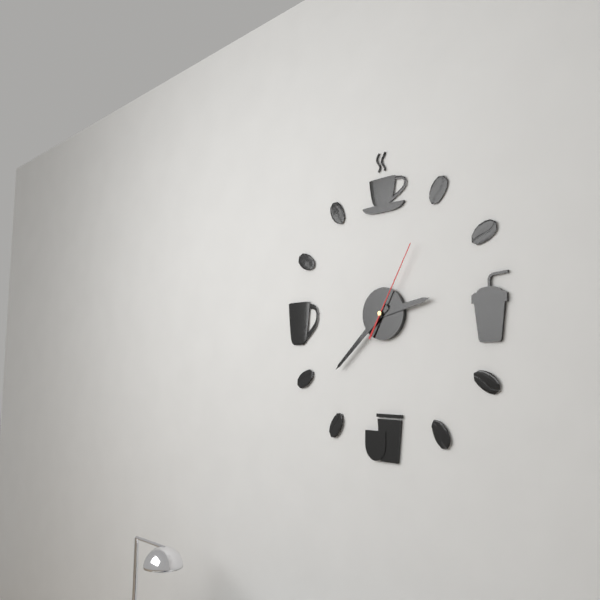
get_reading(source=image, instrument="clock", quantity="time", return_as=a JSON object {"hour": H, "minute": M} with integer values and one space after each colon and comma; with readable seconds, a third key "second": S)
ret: {"hour": 2, "minute": 38, "second": 5}
